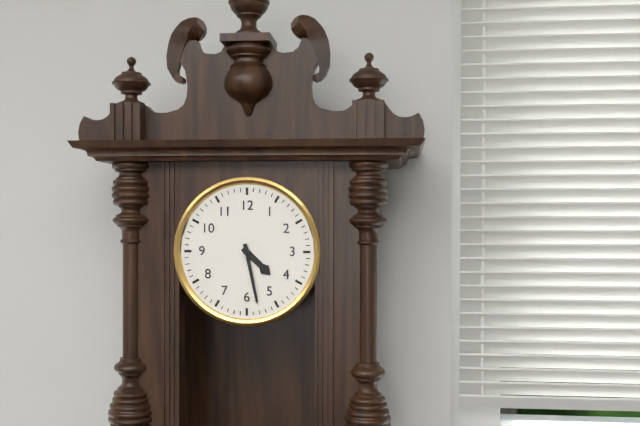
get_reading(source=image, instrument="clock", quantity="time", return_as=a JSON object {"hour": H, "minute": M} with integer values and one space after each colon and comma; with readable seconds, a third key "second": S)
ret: {"hour": 4, "minute": 28}
